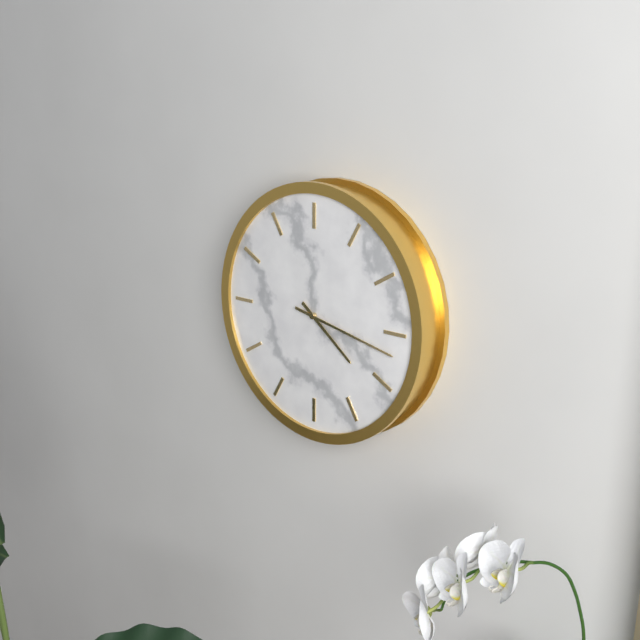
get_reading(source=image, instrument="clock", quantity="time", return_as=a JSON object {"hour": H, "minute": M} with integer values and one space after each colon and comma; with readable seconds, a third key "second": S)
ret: {"hour": 4, "minute": 17}
